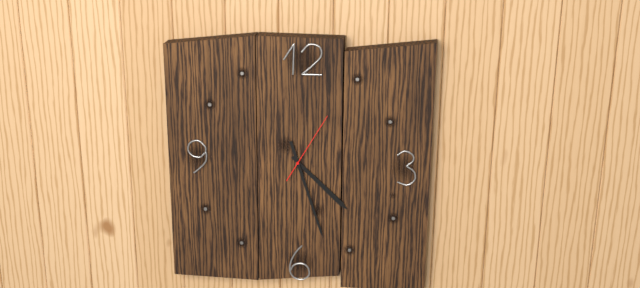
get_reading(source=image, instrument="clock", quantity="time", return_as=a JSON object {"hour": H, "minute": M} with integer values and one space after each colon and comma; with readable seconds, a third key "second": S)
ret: {"hour": 4, "minute": 27, "second": 5}
